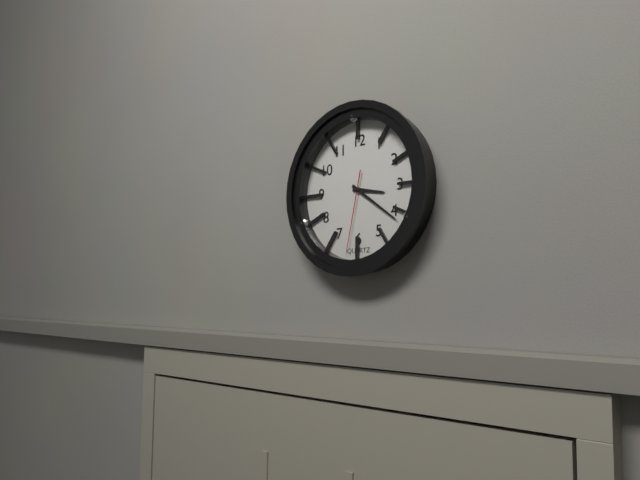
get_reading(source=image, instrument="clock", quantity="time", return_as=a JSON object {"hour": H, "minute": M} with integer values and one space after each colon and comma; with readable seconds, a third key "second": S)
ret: {"hour": 3, "minute": 21, "second": 32}
